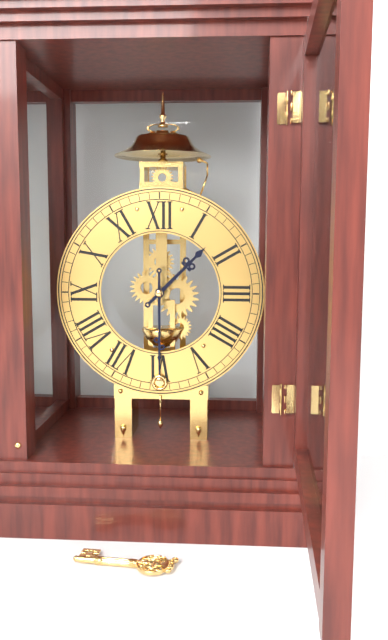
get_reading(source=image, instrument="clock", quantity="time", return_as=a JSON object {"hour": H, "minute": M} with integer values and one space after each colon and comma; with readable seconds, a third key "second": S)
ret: {"hour": 1, "minute": 30}
